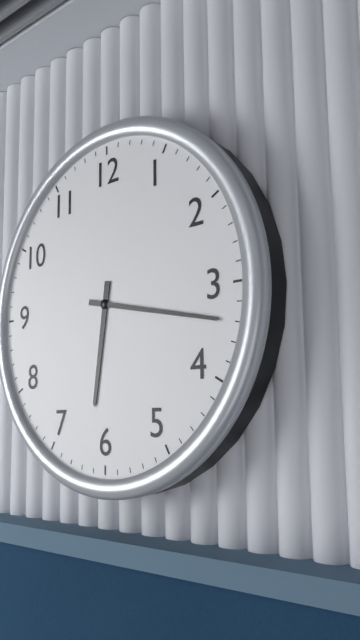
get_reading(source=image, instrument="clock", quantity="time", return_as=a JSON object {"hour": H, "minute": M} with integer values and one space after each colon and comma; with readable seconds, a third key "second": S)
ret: {"hour": 6, "minute": 17}
